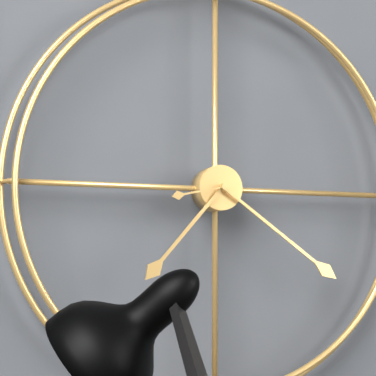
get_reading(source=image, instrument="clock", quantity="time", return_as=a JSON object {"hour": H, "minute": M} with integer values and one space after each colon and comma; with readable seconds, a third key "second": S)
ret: {"hour": 7, "minute": 21, "second": 43}
